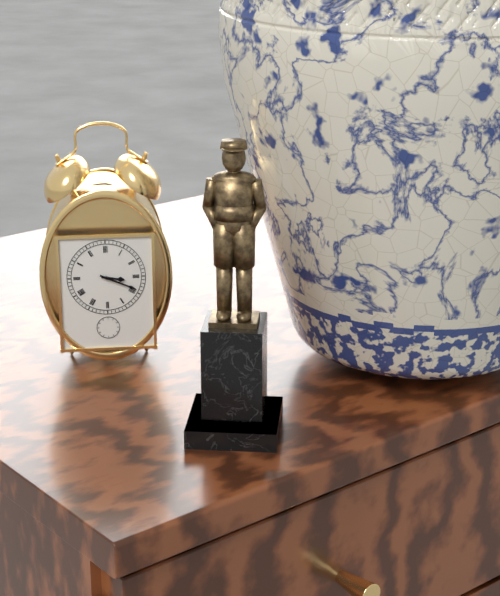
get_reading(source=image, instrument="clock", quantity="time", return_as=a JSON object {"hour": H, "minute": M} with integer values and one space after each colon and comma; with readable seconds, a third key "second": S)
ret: {"hour": 3, "minute": 19}
